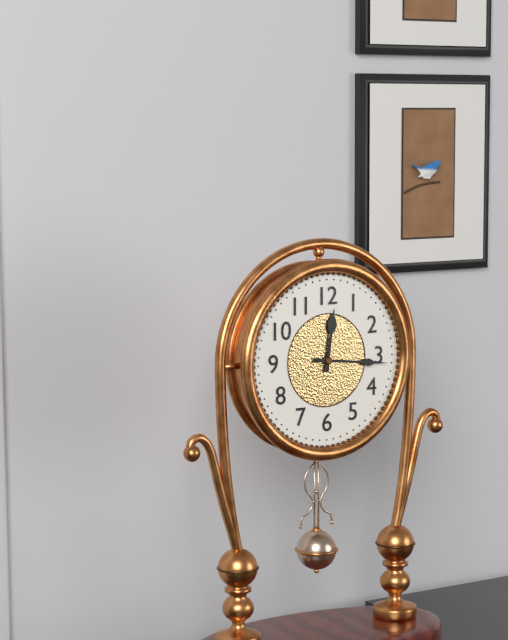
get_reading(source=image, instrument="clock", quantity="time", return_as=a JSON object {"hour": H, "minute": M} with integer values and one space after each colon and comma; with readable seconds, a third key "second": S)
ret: {"hour": 12, "minute": 16}
